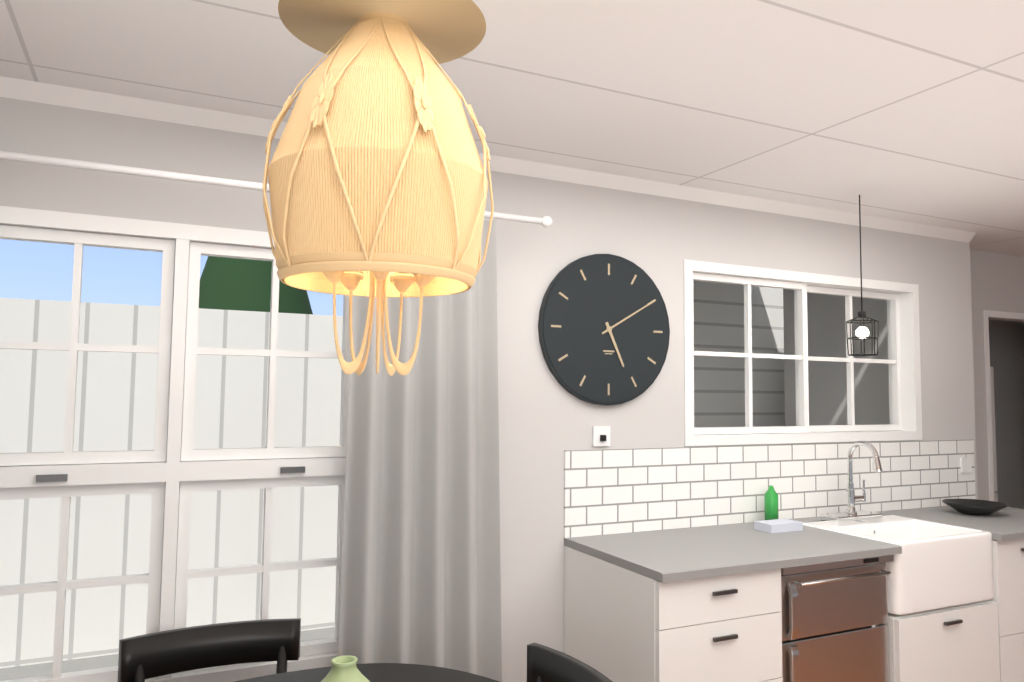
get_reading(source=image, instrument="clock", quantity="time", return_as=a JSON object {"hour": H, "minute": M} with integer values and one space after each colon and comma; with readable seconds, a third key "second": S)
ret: {"hour": 5, "minute": 10}
